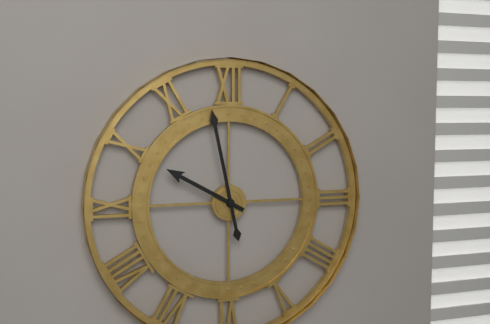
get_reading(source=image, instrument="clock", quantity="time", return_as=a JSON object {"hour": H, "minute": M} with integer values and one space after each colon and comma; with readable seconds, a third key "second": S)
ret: {"hour": 9, "minute": 58}
